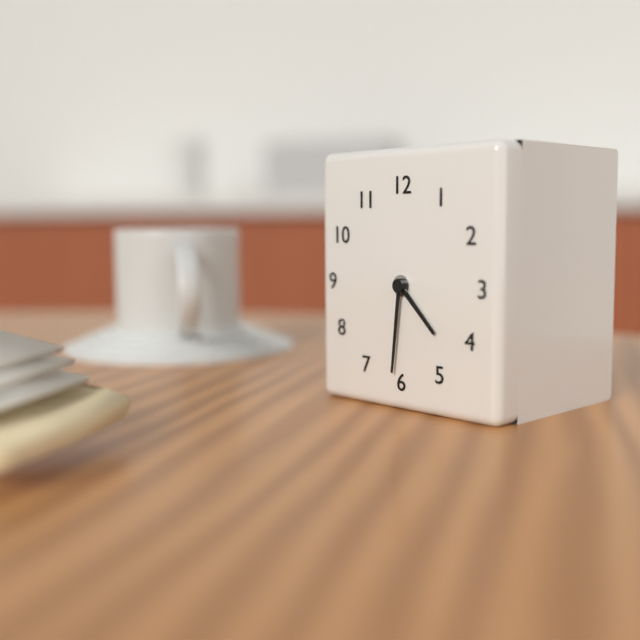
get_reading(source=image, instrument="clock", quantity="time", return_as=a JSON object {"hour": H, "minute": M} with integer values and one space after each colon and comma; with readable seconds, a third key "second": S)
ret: {"hour": 4, "minute": 31}
